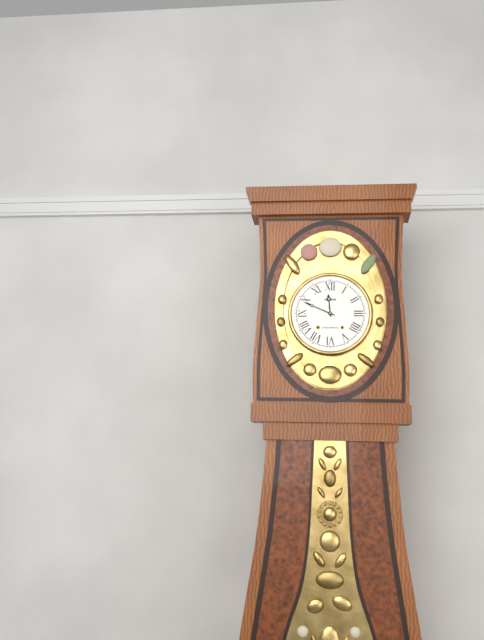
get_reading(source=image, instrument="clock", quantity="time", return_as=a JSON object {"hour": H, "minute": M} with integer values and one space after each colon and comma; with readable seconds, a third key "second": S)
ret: {"hour": 11, "minute": 49}
